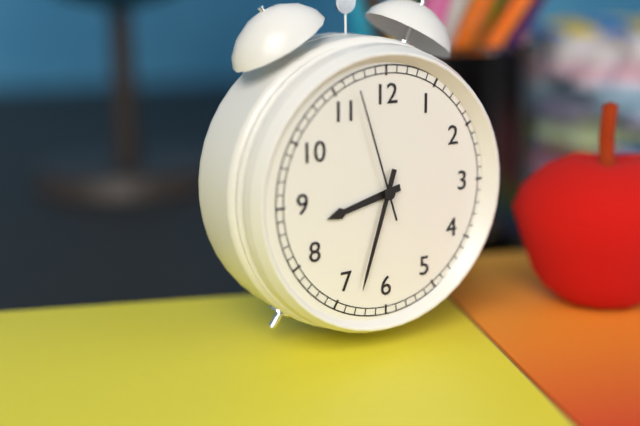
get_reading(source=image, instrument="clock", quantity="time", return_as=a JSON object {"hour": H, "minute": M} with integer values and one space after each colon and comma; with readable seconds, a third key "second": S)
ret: {"hour": 8, "minute": 33, "second": 57}
